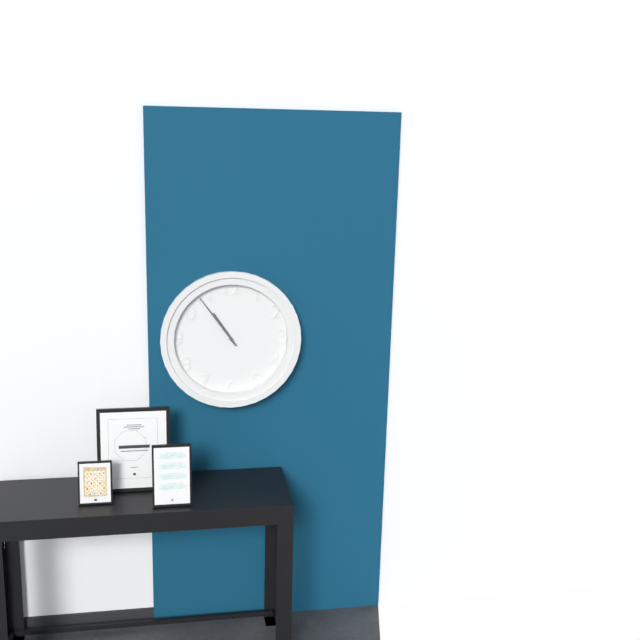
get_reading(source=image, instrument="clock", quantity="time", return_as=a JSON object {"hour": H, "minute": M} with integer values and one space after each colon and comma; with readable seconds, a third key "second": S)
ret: {"hour": 10, "minute": 54}
